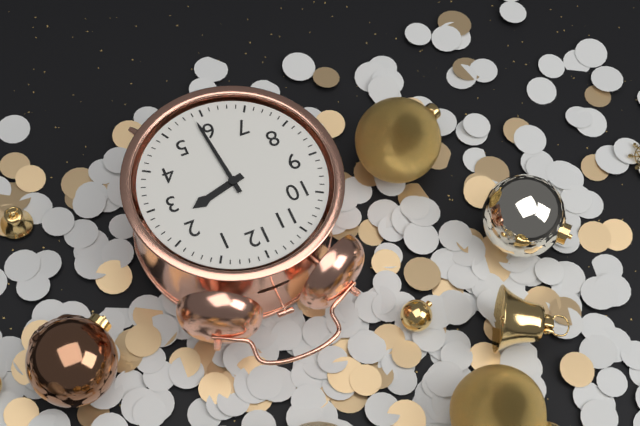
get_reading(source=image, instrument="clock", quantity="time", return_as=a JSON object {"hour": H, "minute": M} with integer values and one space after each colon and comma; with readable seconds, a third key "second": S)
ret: {"hour": 2, "minute": 29}
